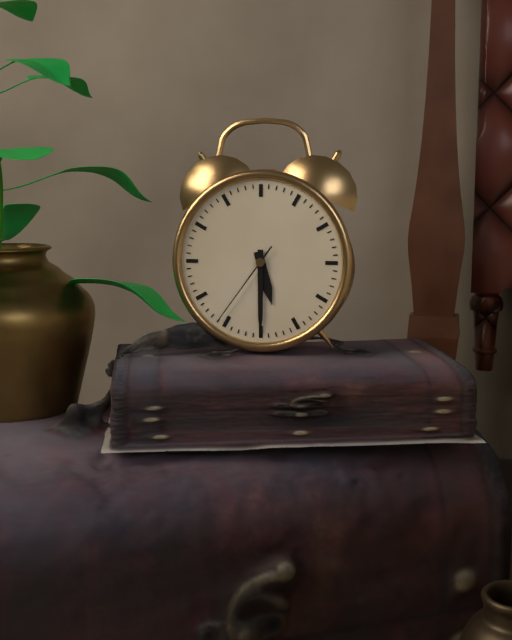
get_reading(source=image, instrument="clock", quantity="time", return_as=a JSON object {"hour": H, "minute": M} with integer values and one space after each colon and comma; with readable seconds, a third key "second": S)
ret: {"hour": 5, "minute": 30, "second": 36}
